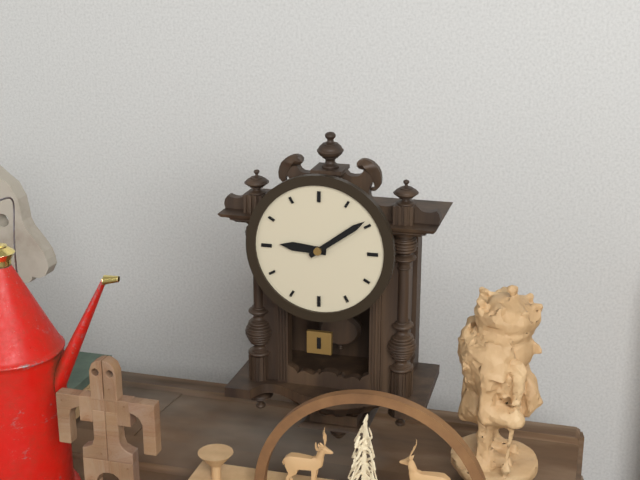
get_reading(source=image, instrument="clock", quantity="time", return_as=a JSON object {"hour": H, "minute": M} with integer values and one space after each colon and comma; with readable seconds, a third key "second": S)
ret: {"hour": 9, "minute": 9}
